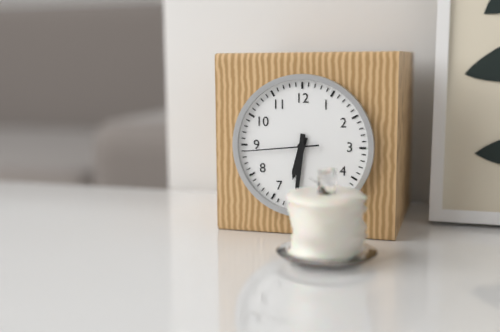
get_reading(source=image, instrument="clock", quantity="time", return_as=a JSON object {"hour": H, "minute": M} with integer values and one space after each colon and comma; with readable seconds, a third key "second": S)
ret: {"hour": 6, "minute": 31, "second": 44}
